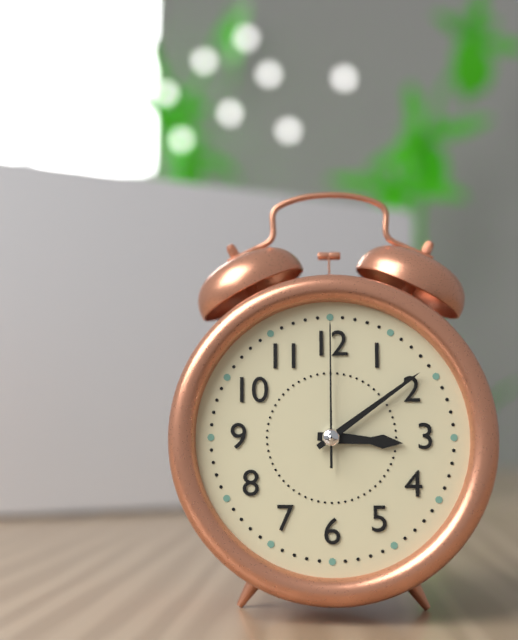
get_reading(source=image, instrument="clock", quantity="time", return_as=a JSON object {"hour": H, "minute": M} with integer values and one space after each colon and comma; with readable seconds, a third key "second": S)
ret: {"hour": 3, "minute": 9, "second": 0}
